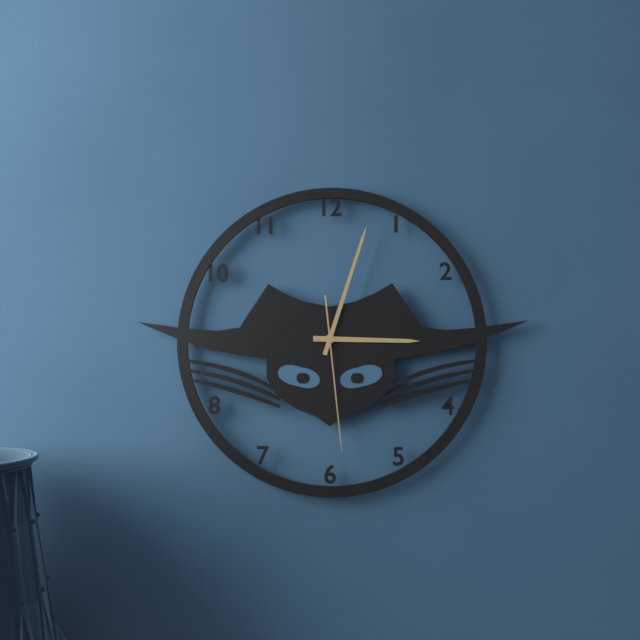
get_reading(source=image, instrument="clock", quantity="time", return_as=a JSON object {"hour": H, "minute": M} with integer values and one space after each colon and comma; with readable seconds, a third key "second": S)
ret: {"hour": 3, "minute": 3, "second": 29}
